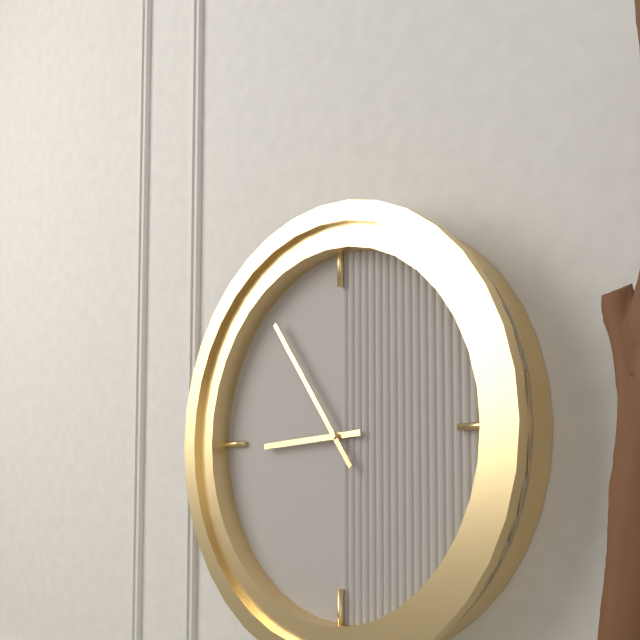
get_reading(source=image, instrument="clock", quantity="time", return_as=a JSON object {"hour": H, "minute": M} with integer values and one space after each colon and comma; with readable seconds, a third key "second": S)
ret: {"hour": 8, "minute": 54}
